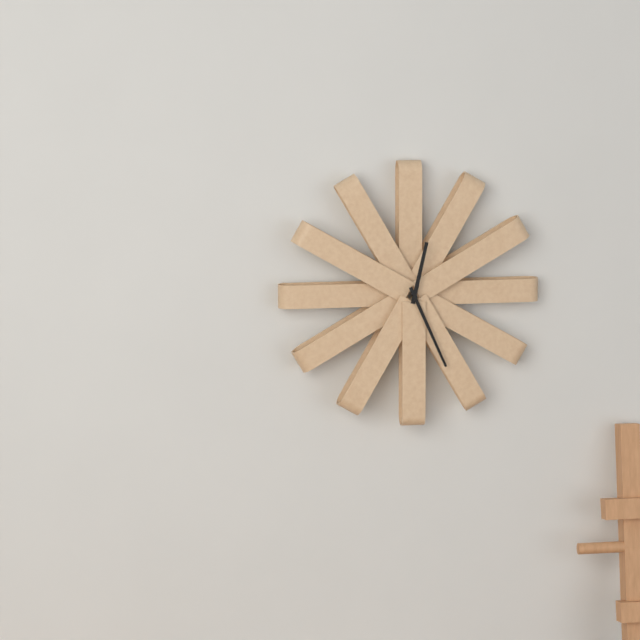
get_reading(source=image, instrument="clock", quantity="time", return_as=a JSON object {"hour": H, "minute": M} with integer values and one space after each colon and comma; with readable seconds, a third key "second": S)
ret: {"hour": 12, "minute": 26}
